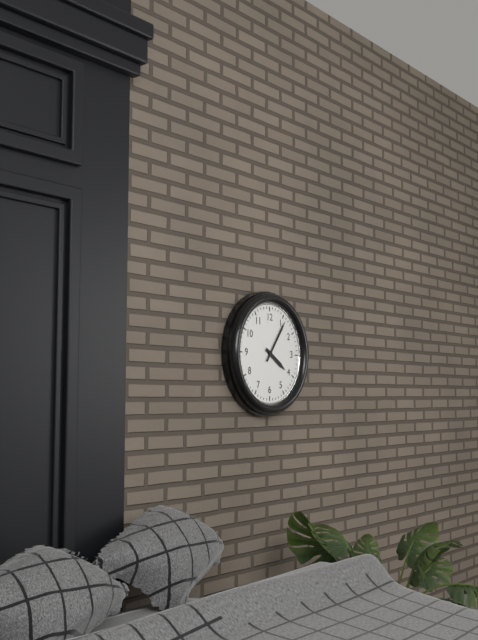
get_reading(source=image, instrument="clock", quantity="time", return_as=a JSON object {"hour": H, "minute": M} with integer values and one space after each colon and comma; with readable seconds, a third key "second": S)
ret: {"hour": 4, "minute": 6}
